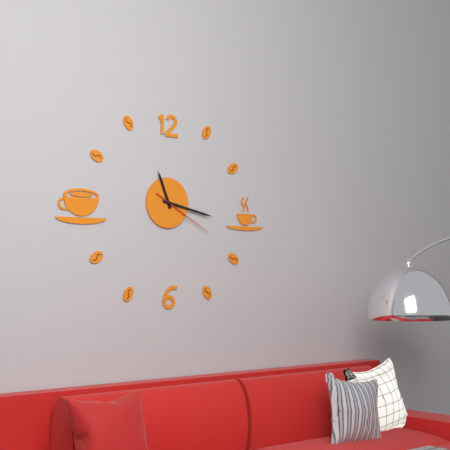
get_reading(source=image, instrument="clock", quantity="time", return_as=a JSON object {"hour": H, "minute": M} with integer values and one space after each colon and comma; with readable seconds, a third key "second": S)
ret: {"hour": 11, "minute": 17, "second": 20}
